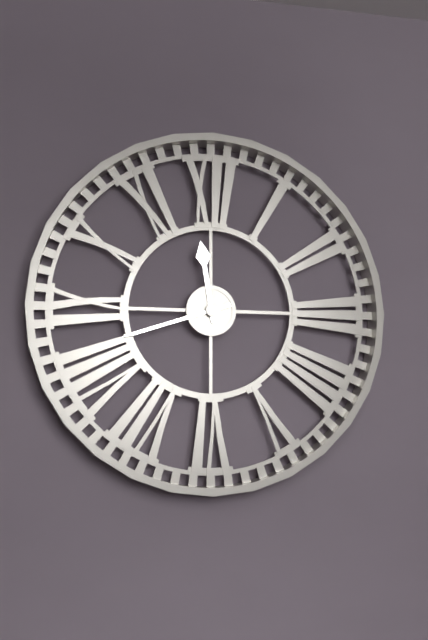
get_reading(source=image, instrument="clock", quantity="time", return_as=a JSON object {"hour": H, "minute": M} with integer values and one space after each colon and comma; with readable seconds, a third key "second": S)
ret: {"hour": 11, "minute": 42}
